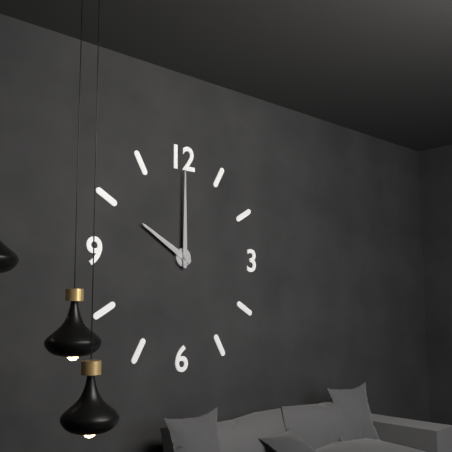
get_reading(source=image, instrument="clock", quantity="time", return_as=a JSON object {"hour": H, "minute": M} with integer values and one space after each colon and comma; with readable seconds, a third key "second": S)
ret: {"hour": 10, "minute": 0}
